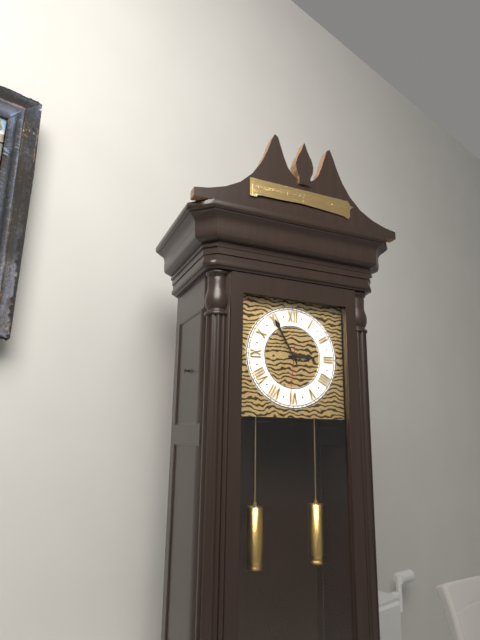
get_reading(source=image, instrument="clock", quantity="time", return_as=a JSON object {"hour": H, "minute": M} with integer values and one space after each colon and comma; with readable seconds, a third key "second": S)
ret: {"hour": 2, "minute": 55, "second": 31}
